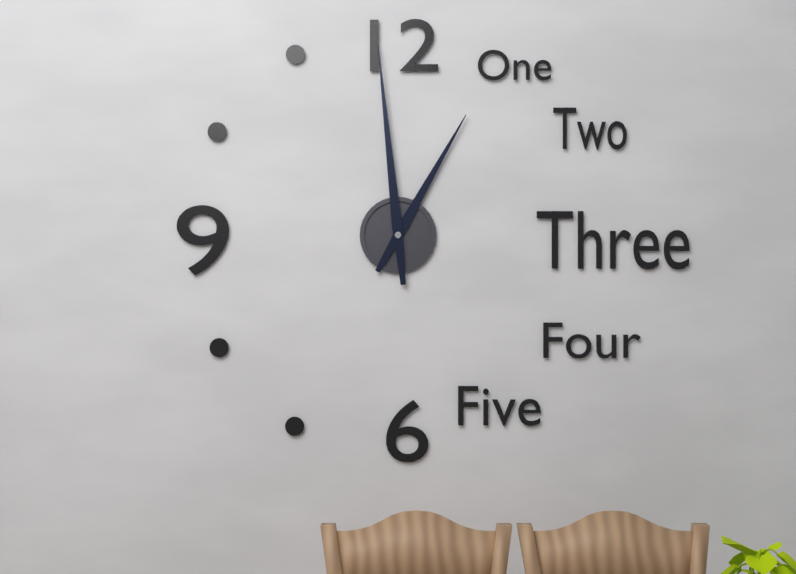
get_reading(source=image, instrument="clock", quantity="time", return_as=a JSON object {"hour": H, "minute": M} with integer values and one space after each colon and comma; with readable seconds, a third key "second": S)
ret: {"hour": 12, "minute": 59}
